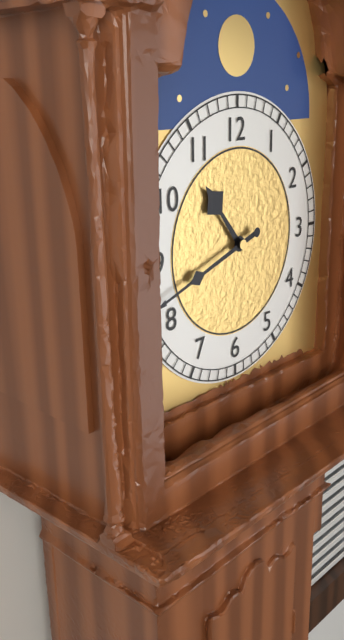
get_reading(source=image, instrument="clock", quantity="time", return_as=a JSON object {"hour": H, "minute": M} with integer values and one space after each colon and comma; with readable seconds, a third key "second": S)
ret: {"hour": 10, "minute": 42}
